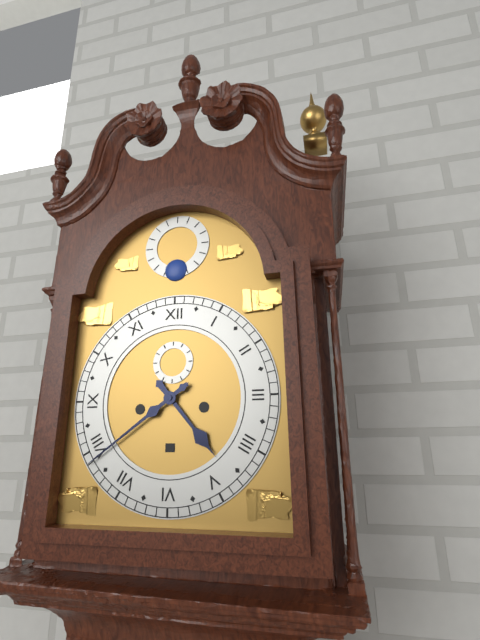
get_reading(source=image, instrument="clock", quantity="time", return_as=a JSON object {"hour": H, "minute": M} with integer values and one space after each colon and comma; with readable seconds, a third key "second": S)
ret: {"hour": 4, "minute": 39}
